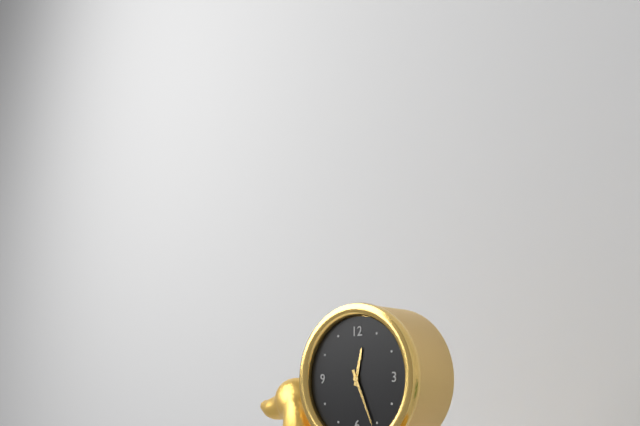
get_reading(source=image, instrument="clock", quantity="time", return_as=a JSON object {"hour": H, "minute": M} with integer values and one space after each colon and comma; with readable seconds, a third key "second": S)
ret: {"hour": 12, "minute": 26}
